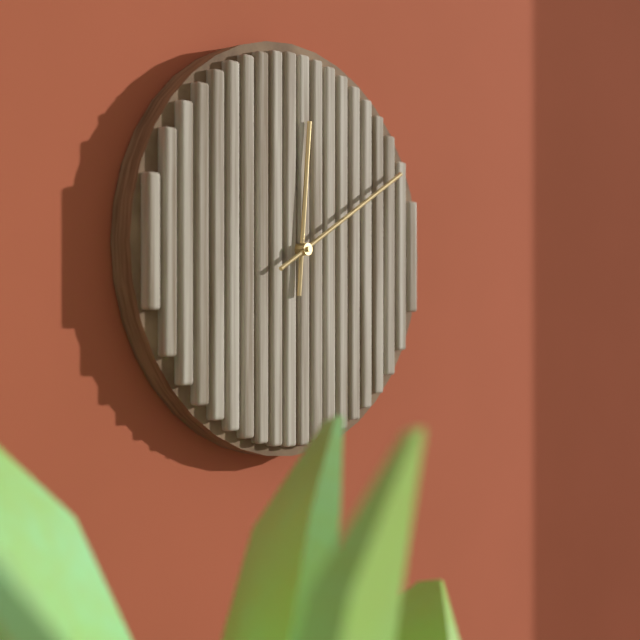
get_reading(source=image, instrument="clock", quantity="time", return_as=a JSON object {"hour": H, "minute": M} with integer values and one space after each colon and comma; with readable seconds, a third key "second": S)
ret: {"hour": 12, "minute": 10}
